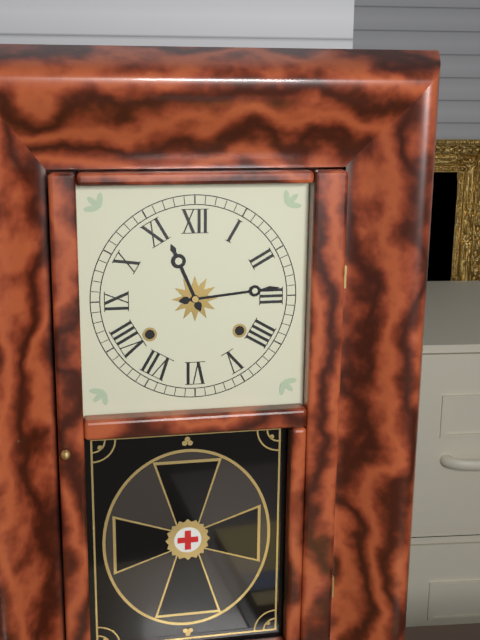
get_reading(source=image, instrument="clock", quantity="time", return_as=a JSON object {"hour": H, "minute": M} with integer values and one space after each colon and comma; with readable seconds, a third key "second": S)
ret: {"hour": 11, "minute": 14}
